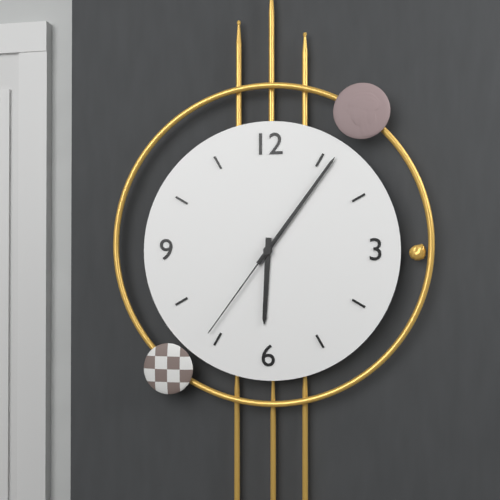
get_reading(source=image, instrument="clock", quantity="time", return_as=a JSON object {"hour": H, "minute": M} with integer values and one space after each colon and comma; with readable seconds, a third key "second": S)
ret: {"hour": 6, "minute": 6, "second": 36}
